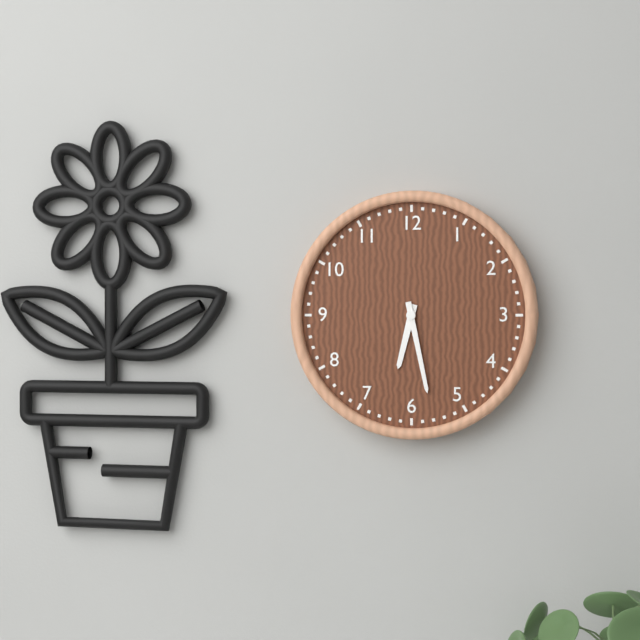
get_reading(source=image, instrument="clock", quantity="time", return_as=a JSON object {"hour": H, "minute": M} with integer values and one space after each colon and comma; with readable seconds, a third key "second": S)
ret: {"hour": 6, "minute": 28}
